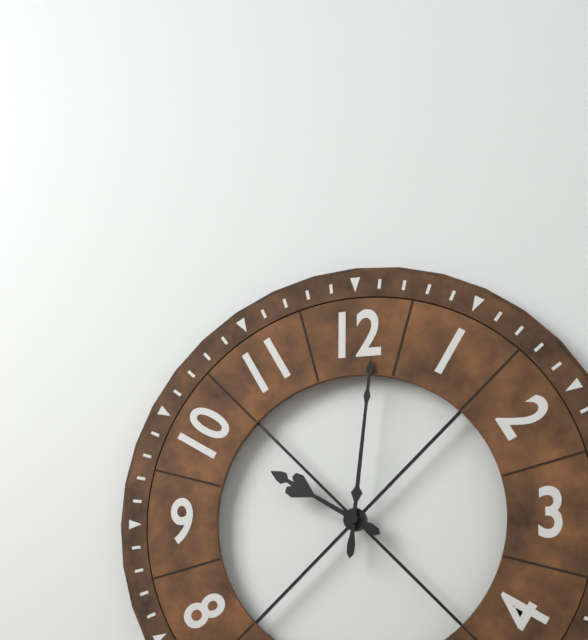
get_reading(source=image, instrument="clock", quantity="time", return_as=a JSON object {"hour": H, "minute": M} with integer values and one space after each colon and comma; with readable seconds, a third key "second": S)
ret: {"hour": 10, "minute": 1}
